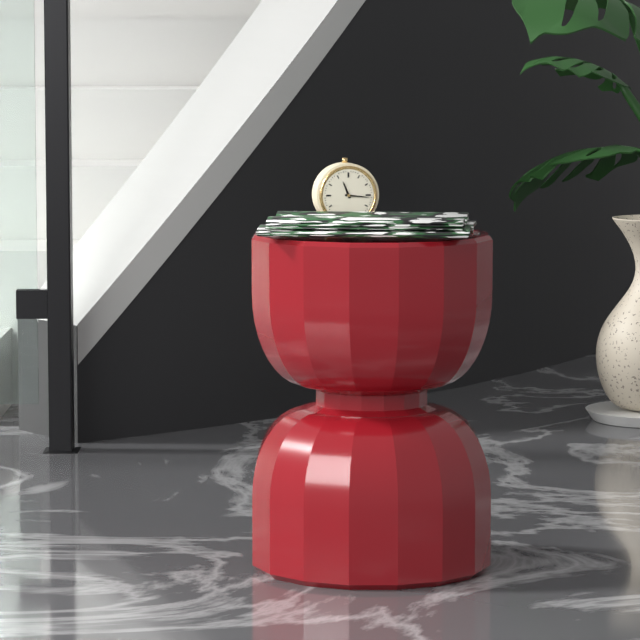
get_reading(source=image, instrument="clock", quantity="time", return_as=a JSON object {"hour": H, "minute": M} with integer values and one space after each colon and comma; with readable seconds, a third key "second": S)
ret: {"hour": 11, "minute": 16}
